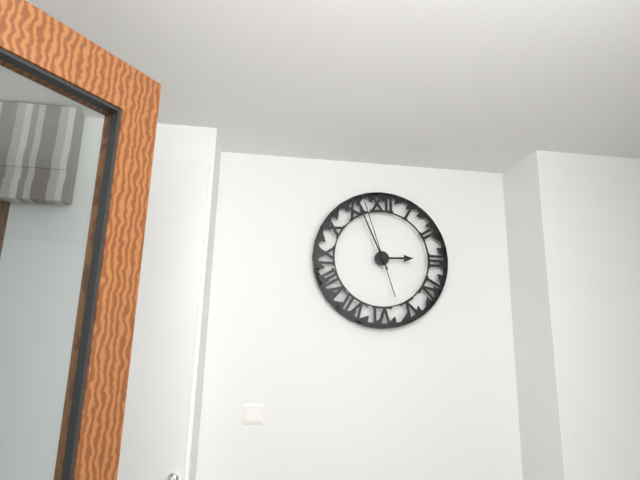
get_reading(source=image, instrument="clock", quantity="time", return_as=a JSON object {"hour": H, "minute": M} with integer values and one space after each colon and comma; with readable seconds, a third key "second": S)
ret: {"hour": 2, "minute": 56, "second": 57}
